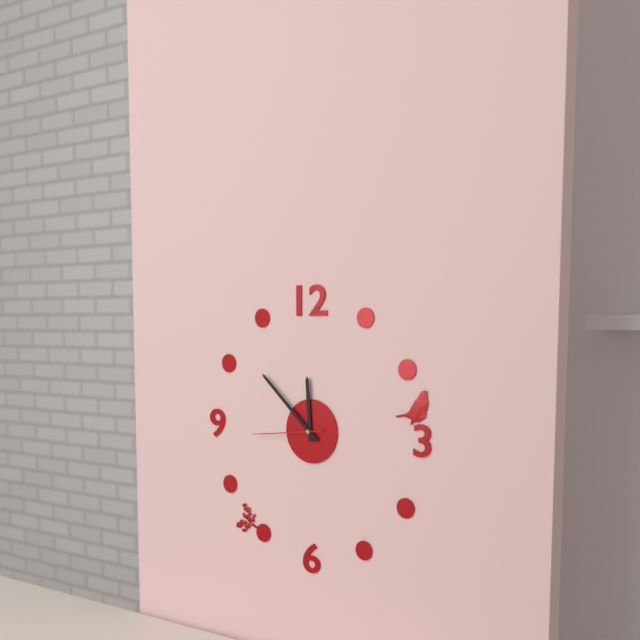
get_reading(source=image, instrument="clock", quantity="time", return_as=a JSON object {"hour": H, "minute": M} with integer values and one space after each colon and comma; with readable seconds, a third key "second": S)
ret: {"hour": 11, "minute": 52, "second": 44}
